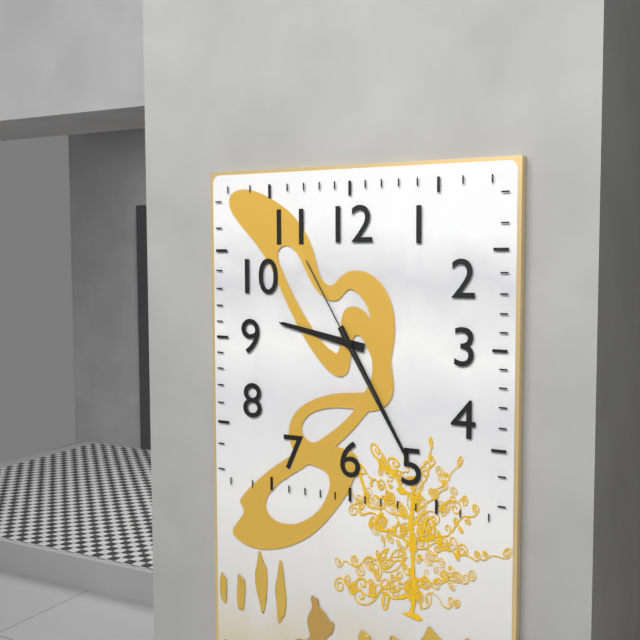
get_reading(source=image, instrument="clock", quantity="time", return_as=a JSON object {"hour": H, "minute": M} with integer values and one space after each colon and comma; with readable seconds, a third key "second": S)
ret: {"hour": 9, "minute": 25, "second": 55}
